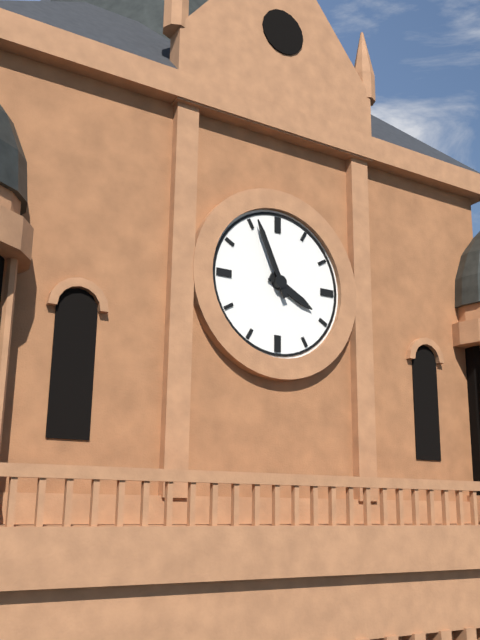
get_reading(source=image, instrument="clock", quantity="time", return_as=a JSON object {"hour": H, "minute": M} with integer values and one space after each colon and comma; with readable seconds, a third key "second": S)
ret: {"hour": 3, "minute": 56}
